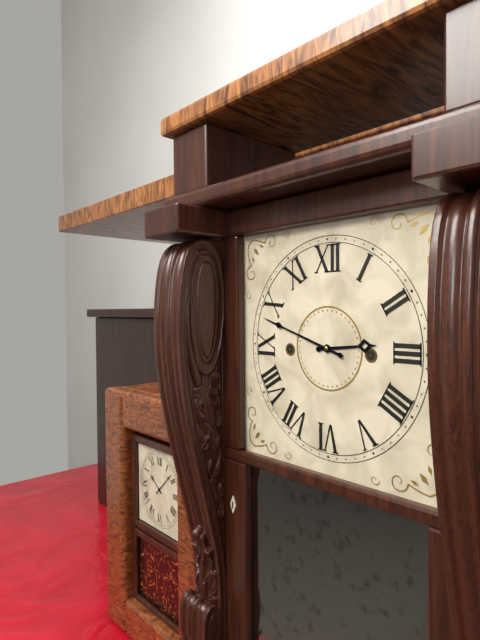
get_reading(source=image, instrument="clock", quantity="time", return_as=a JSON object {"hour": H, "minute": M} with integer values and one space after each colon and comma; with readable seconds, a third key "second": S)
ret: {"hour": 2, "minute": 48}
